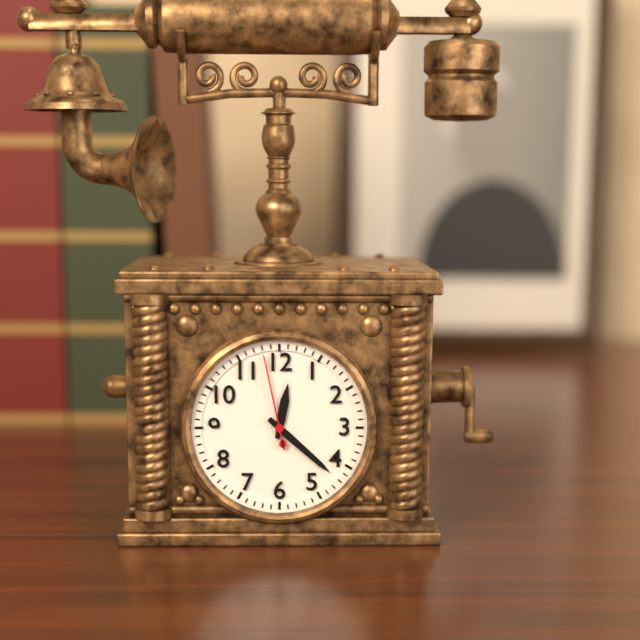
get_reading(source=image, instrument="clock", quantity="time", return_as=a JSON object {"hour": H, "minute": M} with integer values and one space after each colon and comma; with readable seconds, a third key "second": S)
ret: {"hour": 12, "minute": 22, "second": 58}
